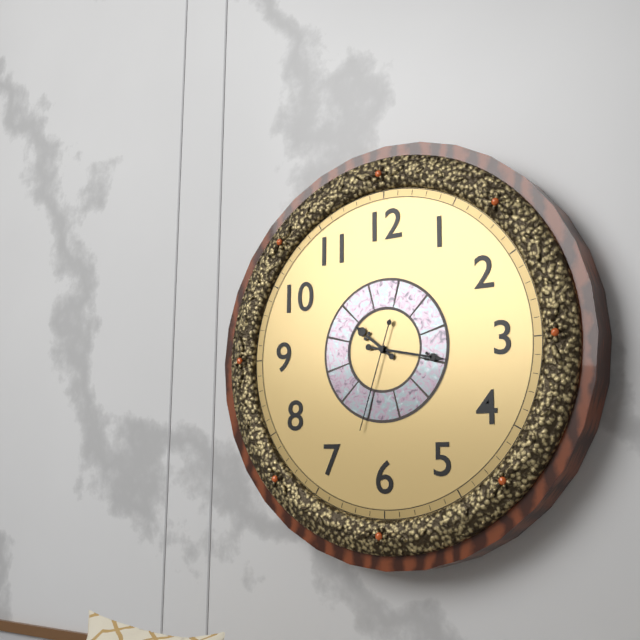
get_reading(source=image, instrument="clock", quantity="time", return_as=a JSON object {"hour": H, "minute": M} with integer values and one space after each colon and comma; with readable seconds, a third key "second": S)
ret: {"hour": 10, "minute": 17, "second": 33}
